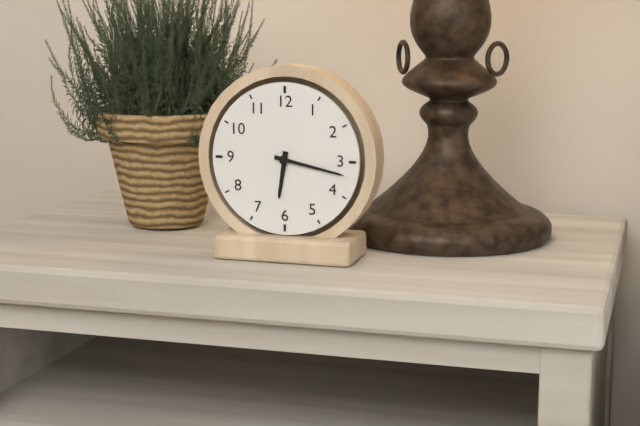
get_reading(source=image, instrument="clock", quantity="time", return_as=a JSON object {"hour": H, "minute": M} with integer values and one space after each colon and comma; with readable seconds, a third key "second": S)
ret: {"hour": 6, "minute": 17}
